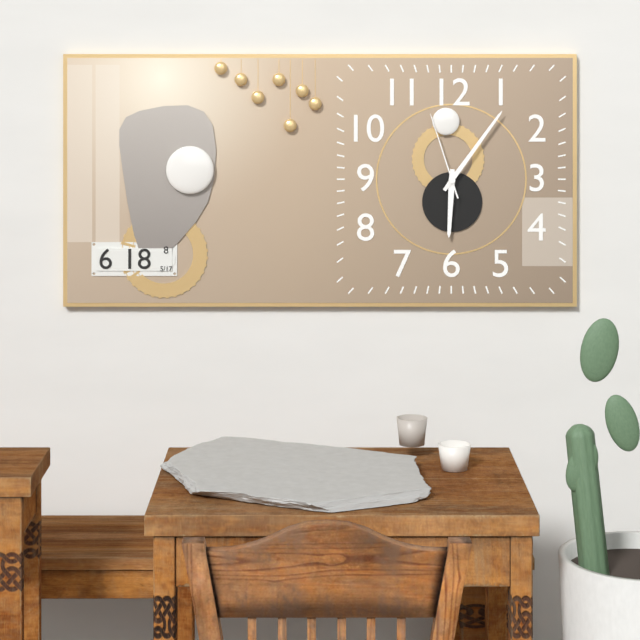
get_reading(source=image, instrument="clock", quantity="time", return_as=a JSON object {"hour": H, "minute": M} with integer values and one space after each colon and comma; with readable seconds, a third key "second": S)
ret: {"hour": 6, "minute": 6, "second": 57}
